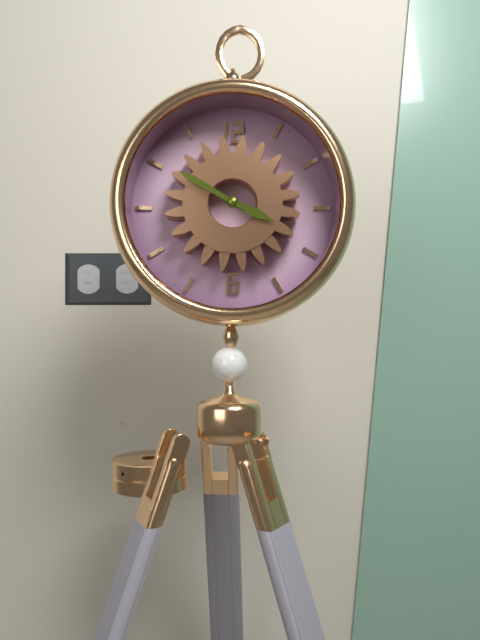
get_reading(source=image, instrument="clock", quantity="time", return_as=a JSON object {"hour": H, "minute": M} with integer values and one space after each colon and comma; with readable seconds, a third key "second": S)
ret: {"hour": 3, "minute": 50}
